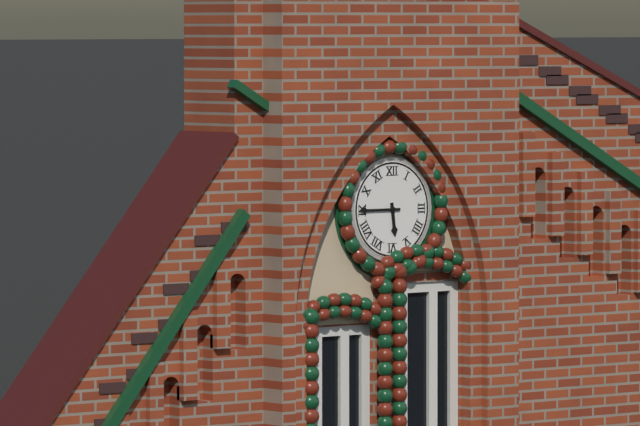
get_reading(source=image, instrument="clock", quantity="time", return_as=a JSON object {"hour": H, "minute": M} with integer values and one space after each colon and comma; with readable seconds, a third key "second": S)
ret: {"hour": 5, "minute": 45}
